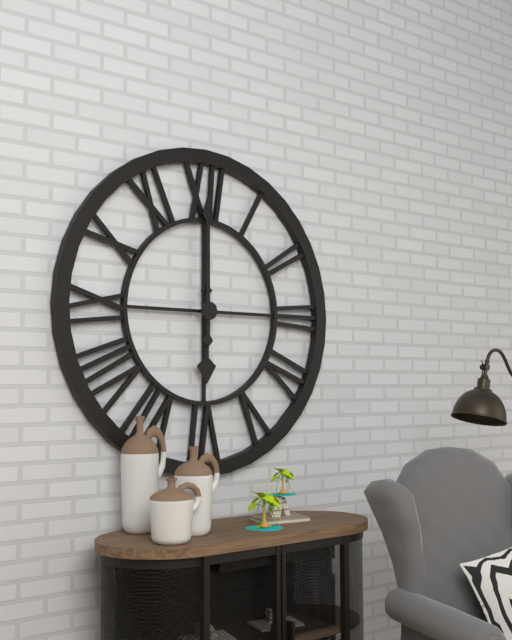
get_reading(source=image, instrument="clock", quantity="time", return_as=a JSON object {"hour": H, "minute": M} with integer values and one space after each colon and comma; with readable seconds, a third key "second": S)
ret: {"hour": 6, "minute": 0}
